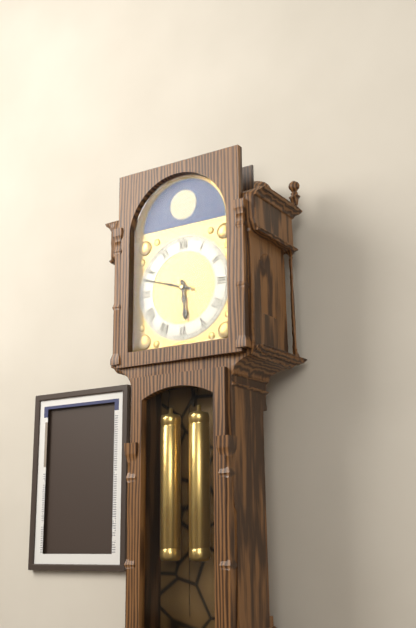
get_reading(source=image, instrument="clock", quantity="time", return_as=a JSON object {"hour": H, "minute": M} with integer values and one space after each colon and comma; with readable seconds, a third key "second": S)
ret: {"hour": 5, "minute": 48}
